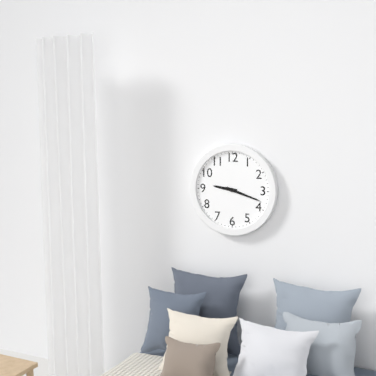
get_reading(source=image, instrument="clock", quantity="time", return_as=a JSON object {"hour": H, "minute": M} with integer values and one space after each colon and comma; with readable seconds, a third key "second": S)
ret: {"hour": 9, "minute": 18}
